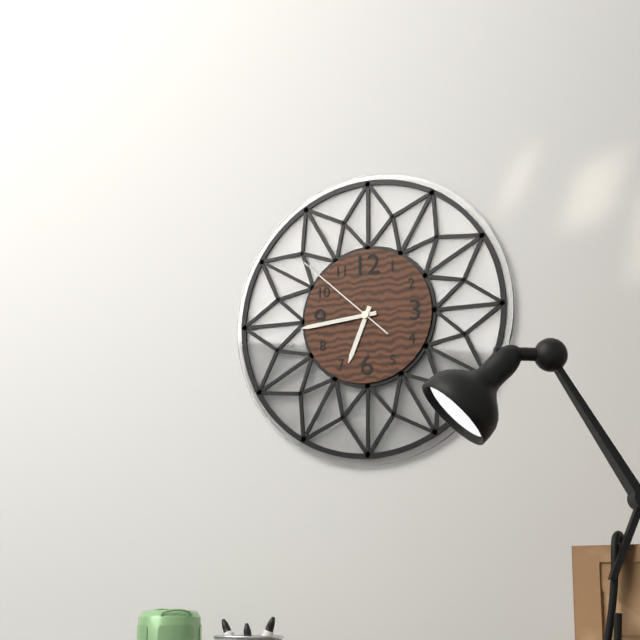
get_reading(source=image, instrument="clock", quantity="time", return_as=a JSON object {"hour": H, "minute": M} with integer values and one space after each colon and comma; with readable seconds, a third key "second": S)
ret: {"hour": 6, "minute": 44, "second": 52}
